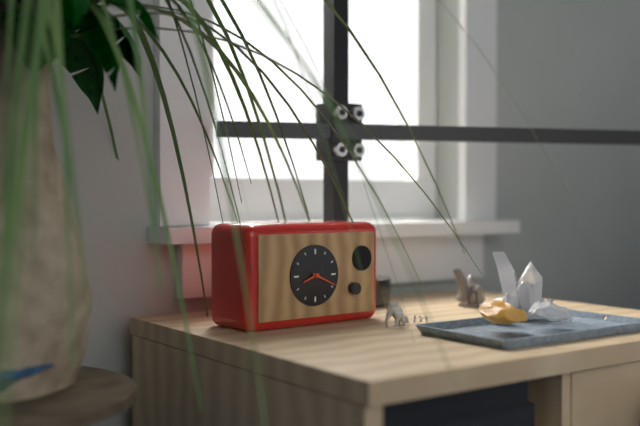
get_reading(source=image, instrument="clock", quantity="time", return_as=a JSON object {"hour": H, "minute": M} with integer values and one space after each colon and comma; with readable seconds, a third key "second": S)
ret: {"hour": 8, "minute": 19}
